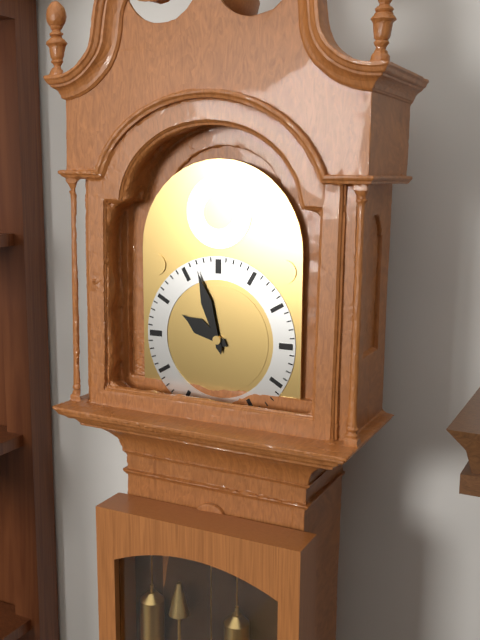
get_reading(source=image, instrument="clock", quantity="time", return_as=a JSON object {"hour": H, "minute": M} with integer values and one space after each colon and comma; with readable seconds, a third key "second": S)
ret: {"hour": 9, "minute": 57}
